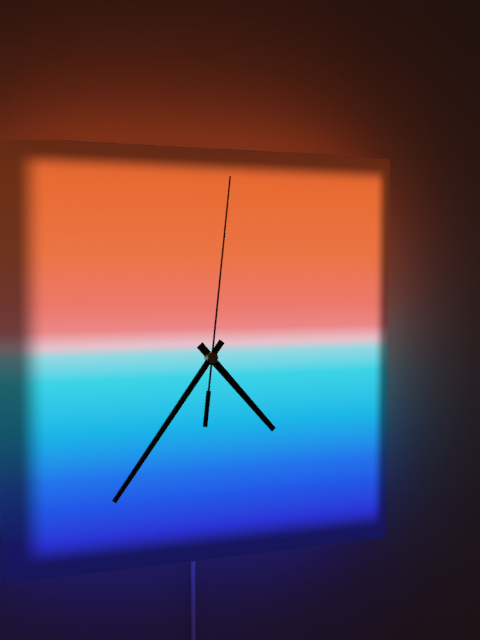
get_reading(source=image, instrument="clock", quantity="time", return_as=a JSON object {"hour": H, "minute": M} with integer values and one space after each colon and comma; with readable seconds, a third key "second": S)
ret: {"hour": 4, "minute": 36, "second": 1}
